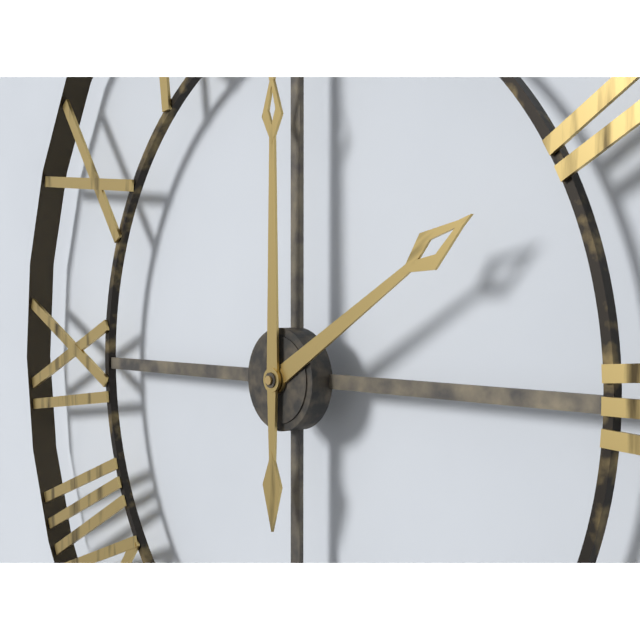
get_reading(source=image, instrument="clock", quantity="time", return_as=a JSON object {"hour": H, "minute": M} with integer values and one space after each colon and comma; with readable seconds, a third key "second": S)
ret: {"hour": 2, "minute": 0}
